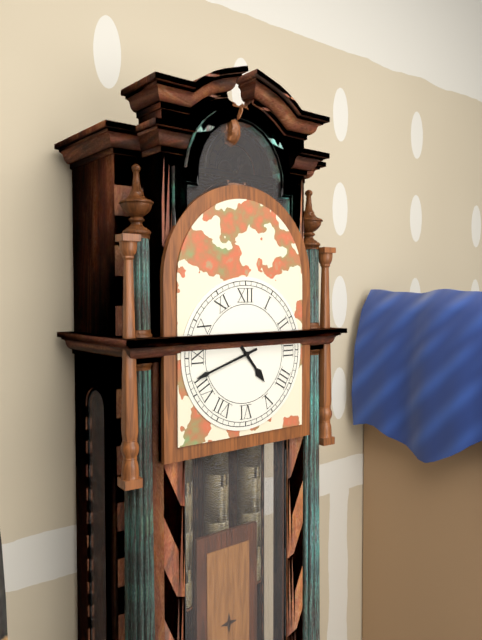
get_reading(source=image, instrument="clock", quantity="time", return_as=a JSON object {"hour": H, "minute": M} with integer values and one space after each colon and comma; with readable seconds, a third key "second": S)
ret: {"hour": 4, "minute": 42}
